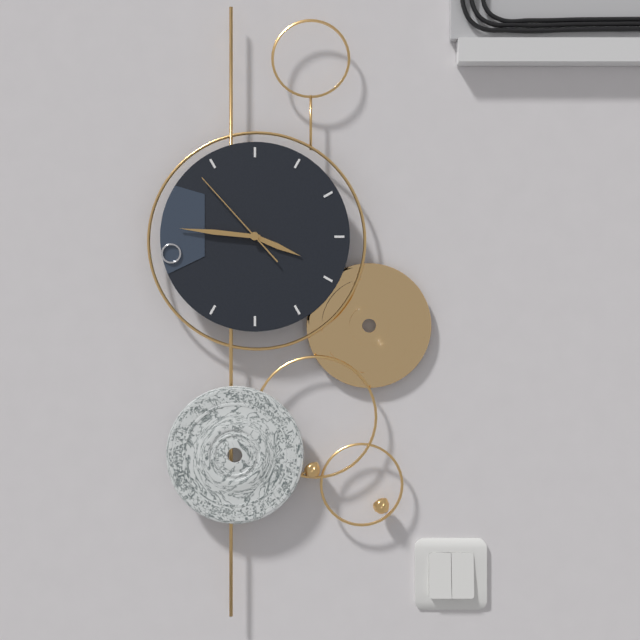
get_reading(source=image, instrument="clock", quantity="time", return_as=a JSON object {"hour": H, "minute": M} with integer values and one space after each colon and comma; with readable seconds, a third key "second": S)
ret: {"hour": 3, "minute": 46, "second": 53}
